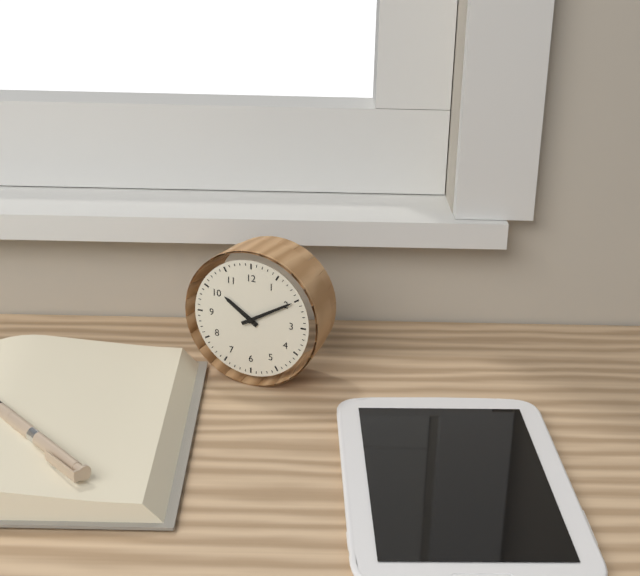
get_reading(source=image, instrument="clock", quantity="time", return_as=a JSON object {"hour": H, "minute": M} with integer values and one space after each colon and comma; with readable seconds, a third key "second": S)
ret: {"hour": 10, "minute": 10}
